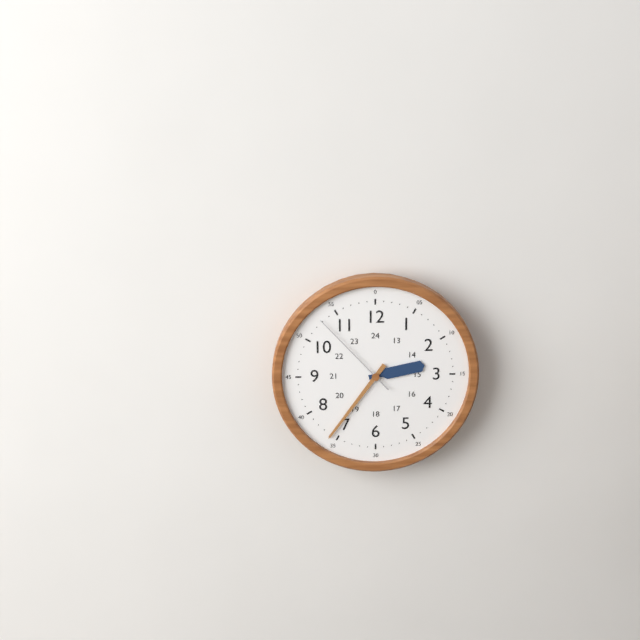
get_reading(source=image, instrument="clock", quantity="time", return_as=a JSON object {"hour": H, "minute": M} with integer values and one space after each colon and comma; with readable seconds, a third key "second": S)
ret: {"hour": 2, "minute": 36, "second": 53}
